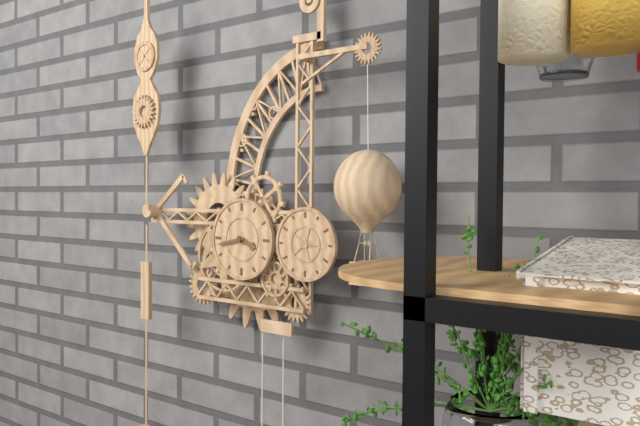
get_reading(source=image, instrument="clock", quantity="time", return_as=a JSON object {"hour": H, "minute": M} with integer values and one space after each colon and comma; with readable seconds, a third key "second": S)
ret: {"hour": 3, "minute": 43}
